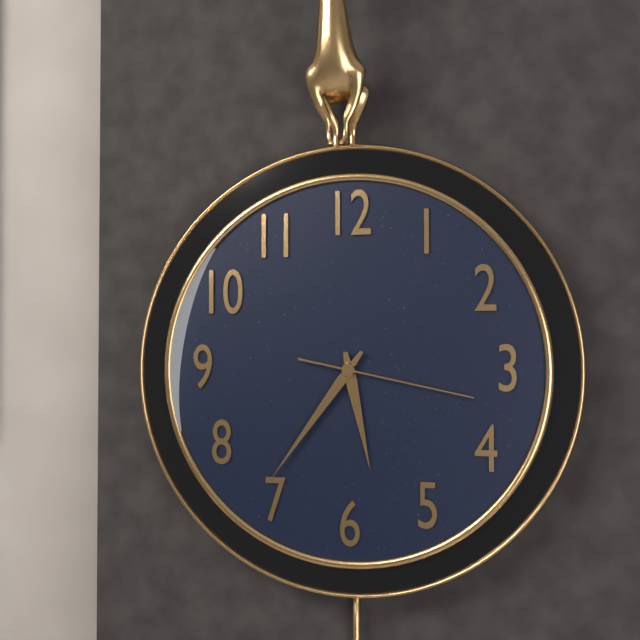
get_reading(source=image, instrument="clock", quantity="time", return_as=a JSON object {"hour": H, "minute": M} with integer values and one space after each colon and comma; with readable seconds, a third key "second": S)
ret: {"hour": 5, "minute": 36, "second": 17}
